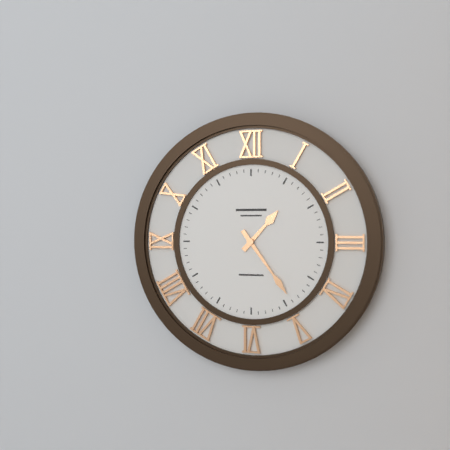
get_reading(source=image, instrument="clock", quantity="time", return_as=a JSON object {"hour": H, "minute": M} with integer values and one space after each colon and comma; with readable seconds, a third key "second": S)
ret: {"hour": 1, "minute": 24}
